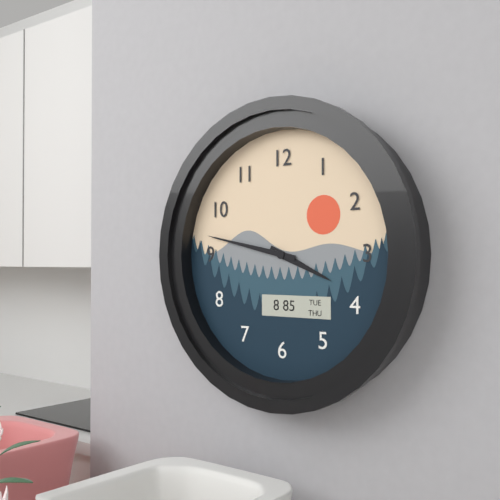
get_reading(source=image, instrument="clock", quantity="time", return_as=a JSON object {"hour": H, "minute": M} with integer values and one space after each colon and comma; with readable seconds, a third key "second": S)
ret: {"hour": 3, "minute": 47}
